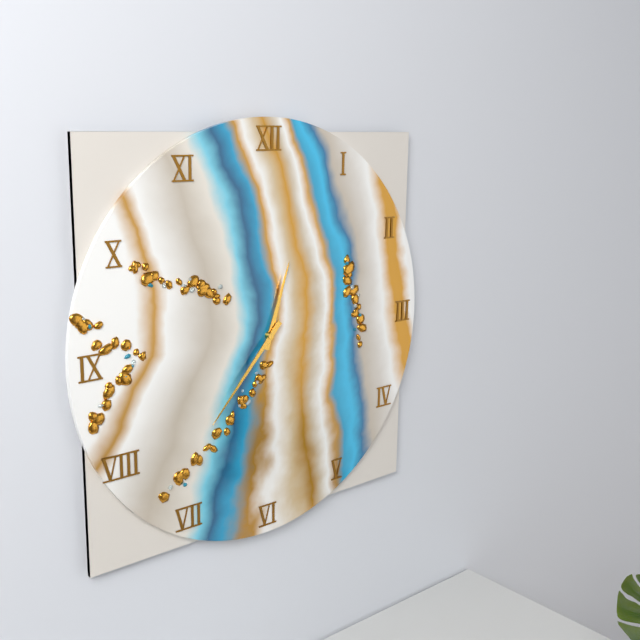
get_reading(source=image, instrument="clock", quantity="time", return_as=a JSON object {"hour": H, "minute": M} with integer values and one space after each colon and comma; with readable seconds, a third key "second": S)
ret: {"hour": 12, "minute": 37}
